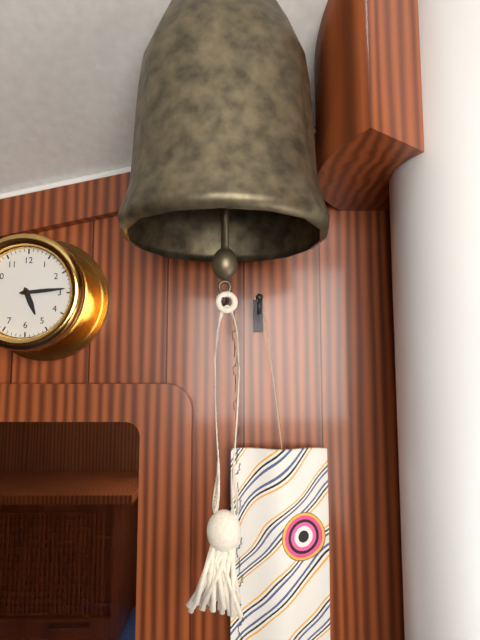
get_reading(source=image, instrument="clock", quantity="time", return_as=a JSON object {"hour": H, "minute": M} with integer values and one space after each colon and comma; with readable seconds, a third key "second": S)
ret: {"hour": 5, "minute": 14}
